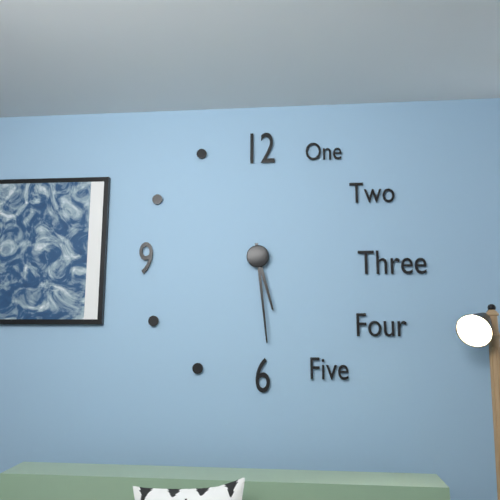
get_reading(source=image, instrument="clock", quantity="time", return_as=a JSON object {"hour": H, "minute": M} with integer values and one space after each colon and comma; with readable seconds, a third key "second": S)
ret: {"hour": 5, "minute": 29}
